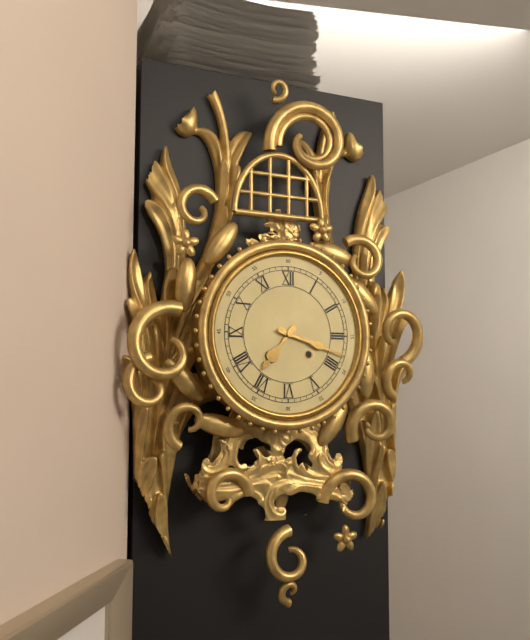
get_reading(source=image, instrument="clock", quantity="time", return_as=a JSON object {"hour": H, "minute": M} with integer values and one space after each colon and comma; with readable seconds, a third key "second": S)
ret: {"hour": 7, "minute": 18}
